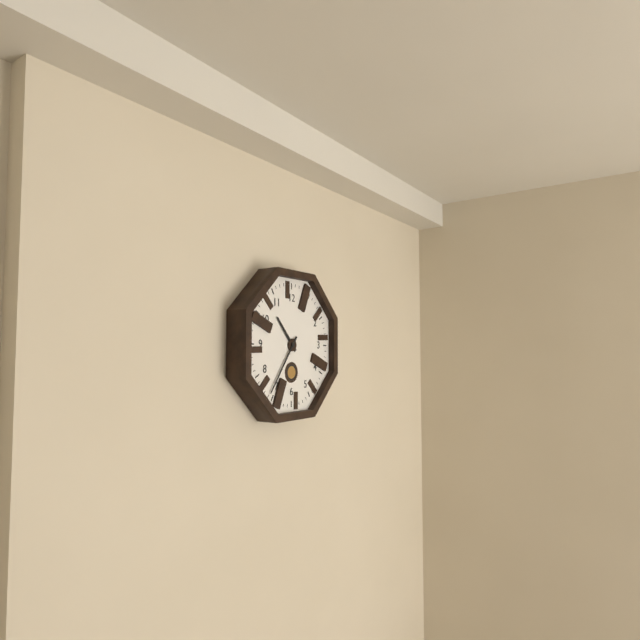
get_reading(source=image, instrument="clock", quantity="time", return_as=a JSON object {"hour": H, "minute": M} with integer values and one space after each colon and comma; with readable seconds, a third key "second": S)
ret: {"hour": 10, "minute": 36}
